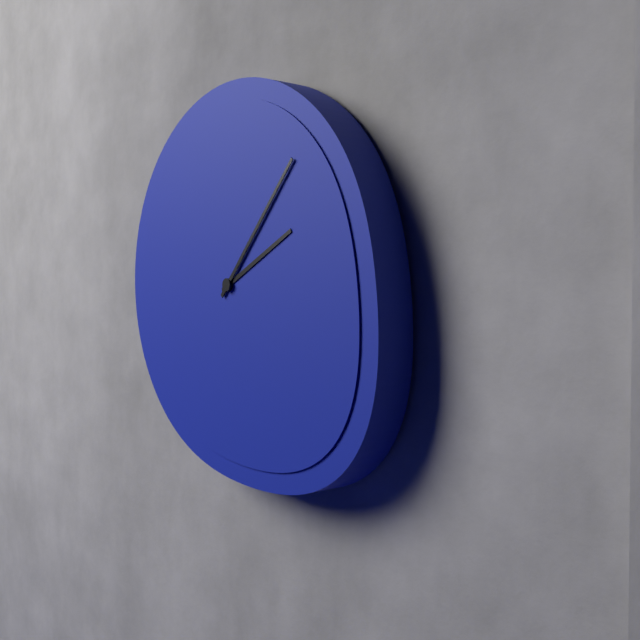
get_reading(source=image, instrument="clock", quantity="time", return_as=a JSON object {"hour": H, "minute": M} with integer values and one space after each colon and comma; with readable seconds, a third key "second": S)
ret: {"hour": 2, "minute": 7}
